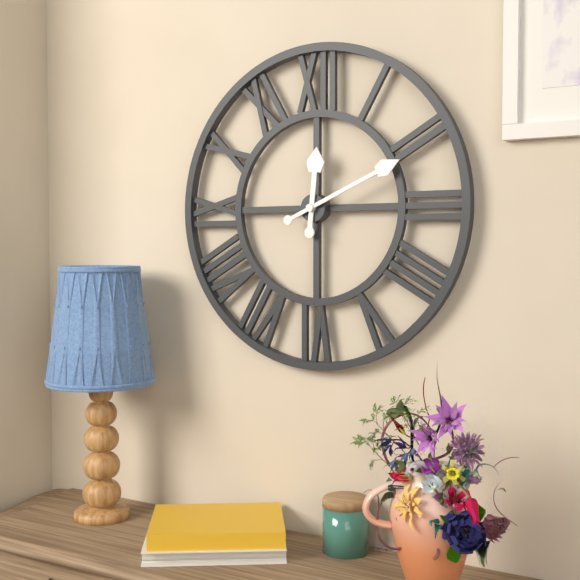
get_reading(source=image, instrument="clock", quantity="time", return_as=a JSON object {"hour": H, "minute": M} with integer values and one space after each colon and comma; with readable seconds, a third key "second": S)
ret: {"hour": 12, "minute": 11}
